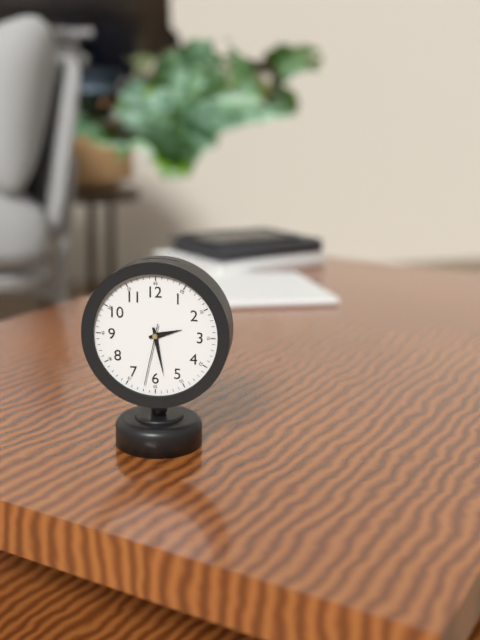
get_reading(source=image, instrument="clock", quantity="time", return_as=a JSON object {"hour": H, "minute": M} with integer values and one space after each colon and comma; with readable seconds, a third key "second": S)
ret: {"hour": 2, "minute": 28, "second": 32}
